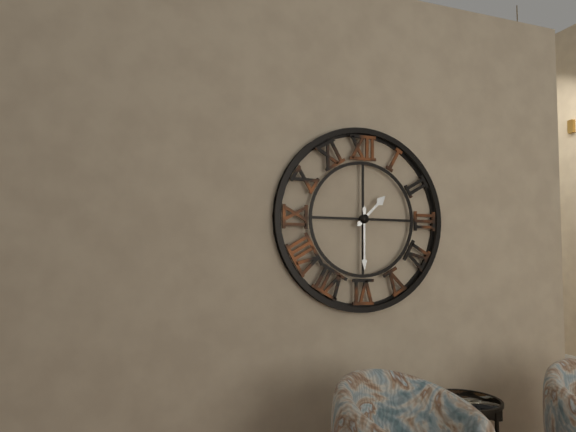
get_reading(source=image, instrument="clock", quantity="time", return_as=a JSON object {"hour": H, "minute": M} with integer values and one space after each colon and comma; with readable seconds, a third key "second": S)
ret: {"hour": 1, "minute": 30}
